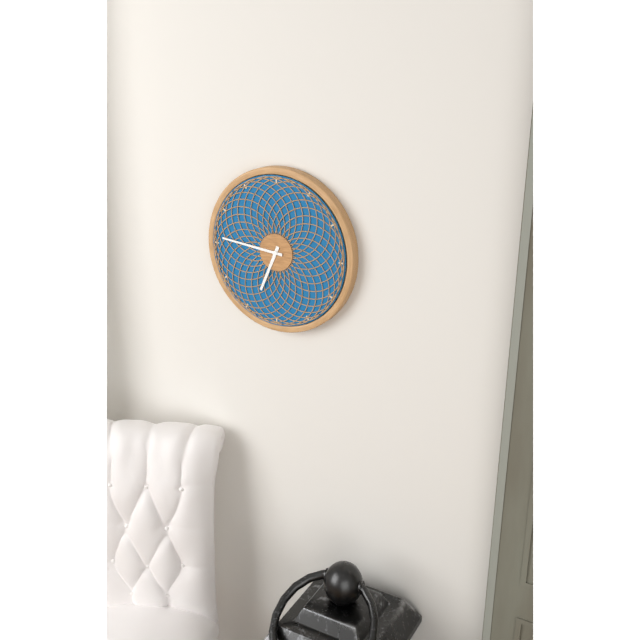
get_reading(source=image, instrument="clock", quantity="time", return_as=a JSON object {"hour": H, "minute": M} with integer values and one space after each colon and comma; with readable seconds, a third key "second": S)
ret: {"hour": 6, "minute": 46}
